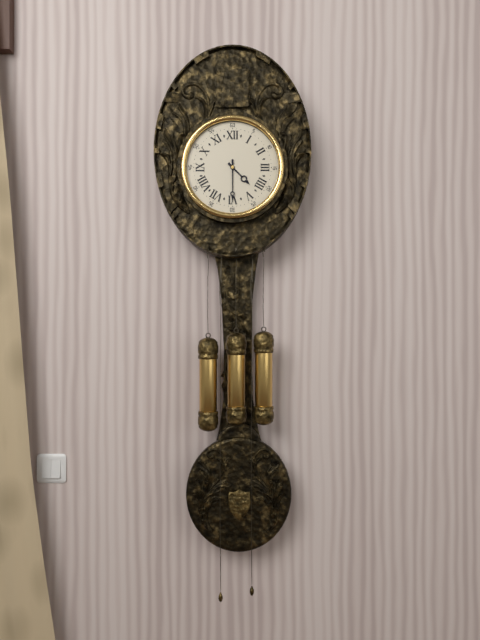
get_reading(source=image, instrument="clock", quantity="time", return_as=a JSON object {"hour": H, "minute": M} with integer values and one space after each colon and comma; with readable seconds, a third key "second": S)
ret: {"hour": 4, "minute": 30}
